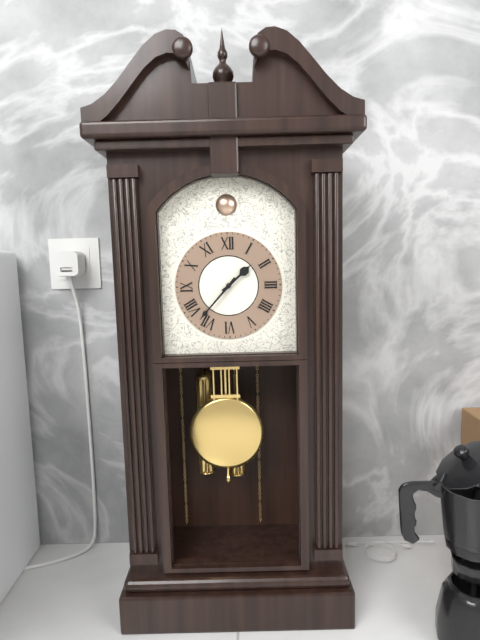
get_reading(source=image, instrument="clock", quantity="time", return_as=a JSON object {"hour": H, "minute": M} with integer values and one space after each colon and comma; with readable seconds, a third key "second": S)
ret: {"hour": 1, "minute": 37}
